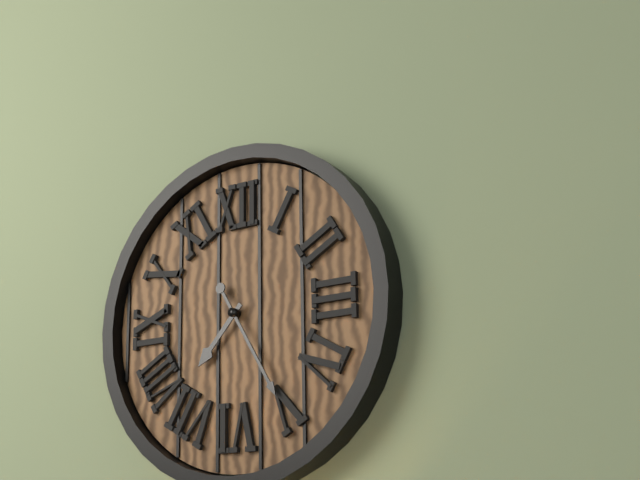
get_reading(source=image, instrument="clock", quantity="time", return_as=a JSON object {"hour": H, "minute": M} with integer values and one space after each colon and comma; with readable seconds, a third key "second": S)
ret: {"hour": 7, "minute": 25}
